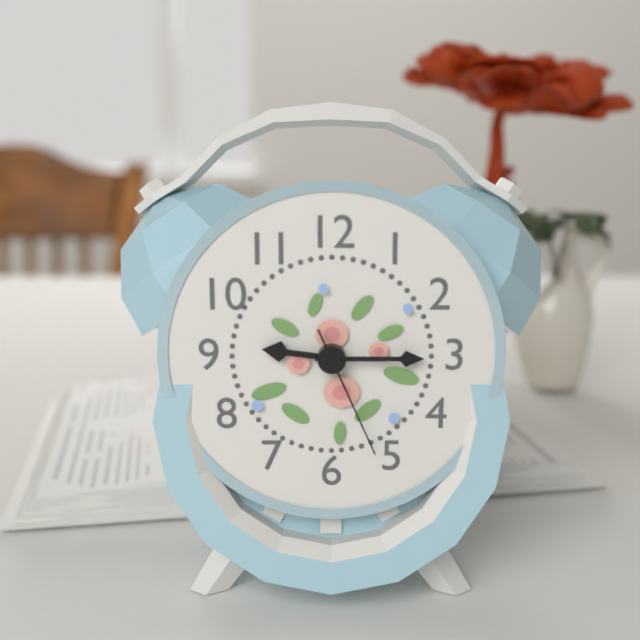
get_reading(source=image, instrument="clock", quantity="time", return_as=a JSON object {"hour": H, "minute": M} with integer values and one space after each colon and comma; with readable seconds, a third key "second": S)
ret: {"hour": 9, "minute": 15, "second": 26}
